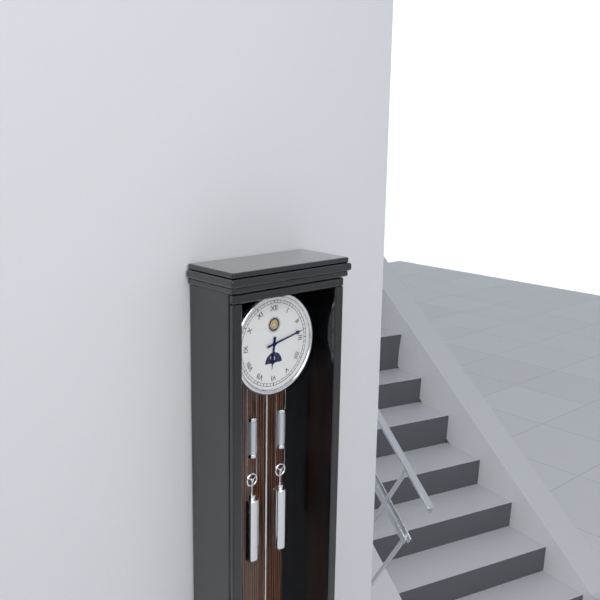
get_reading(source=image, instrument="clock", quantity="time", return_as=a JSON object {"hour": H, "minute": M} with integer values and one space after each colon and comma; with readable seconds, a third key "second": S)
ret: {"hour": 6, "minute": 13}
